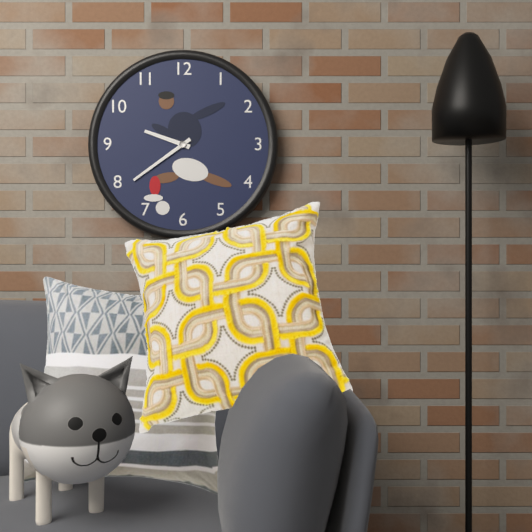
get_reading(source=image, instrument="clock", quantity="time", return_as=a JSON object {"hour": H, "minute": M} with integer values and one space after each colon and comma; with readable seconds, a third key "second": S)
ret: {"hour": 9, "minute": 39}
